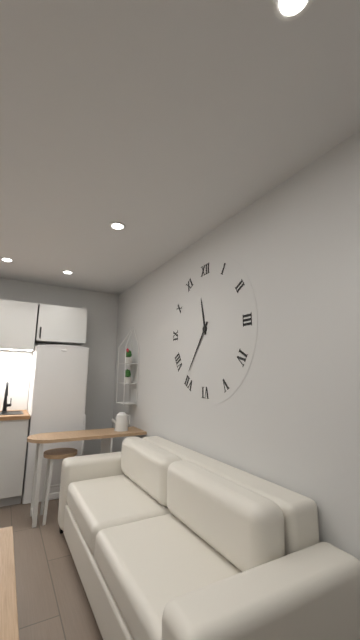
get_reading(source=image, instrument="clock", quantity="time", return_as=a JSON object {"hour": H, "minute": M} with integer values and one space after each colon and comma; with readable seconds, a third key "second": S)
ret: {"hour": 11, "minute": 36}
